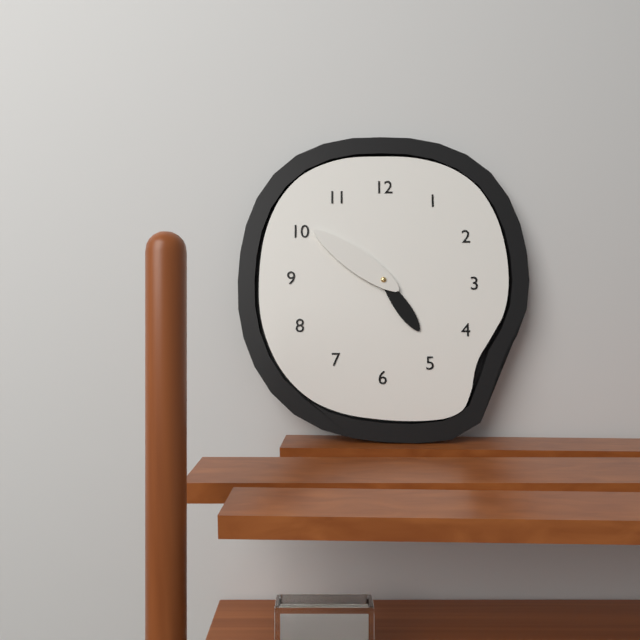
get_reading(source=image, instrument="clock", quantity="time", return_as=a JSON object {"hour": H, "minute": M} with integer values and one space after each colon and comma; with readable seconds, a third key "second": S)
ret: {"hour": 4, "minute": 51}
